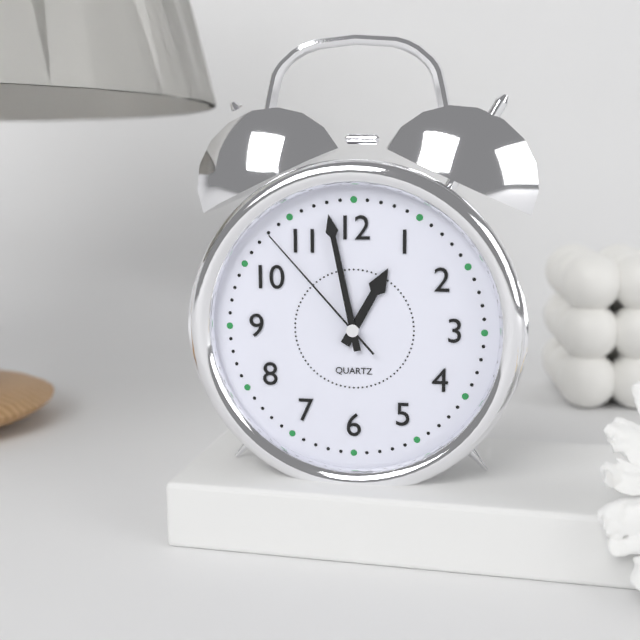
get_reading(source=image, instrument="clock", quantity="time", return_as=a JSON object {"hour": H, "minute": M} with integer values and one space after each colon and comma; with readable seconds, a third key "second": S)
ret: {"hour": 12, "minute": 58, "second": 53}
